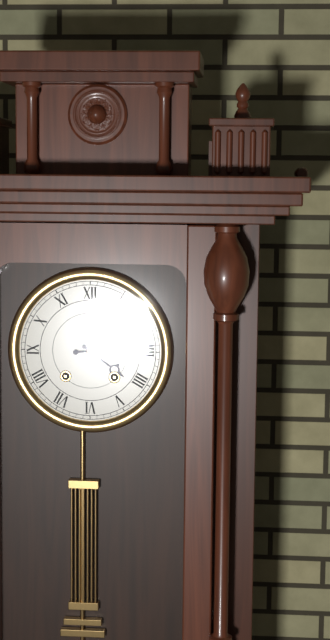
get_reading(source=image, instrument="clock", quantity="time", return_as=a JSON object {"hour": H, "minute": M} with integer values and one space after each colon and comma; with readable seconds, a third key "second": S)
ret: {"hour": 4, "minute": 14}
